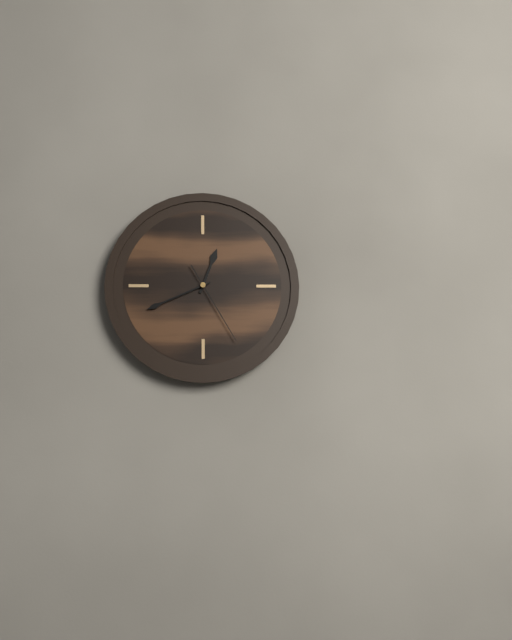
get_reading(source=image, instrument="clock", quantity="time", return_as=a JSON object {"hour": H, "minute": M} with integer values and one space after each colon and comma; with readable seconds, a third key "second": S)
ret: {"hour": 12, "minute": 41, "second": 25}
